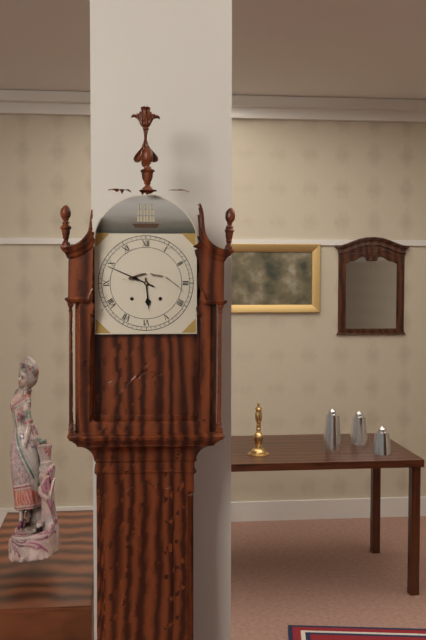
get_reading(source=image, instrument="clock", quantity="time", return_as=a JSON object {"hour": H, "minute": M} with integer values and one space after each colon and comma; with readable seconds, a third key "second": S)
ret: {"hour": 5, "minute": 49}
